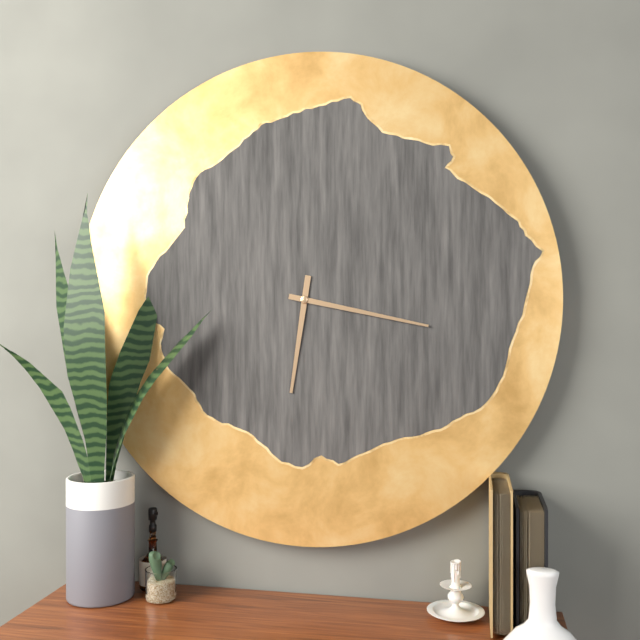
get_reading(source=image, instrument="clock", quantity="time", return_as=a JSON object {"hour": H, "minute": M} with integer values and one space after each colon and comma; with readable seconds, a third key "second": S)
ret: {"hour": 6, "minute": 17}
